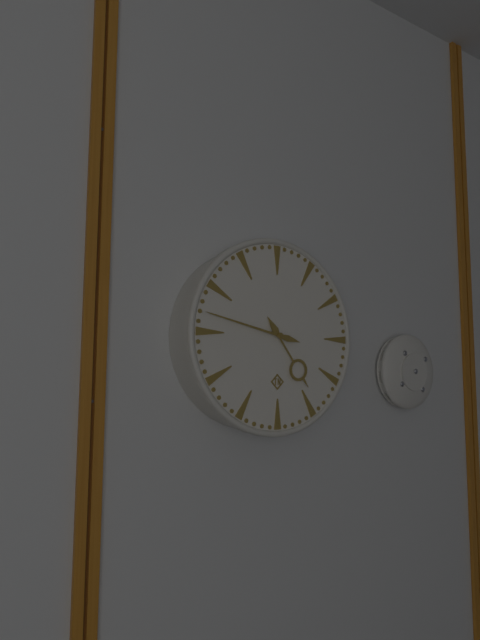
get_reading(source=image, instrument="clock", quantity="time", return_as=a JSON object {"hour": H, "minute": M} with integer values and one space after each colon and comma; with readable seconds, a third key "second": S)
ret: {"hour": 4, "minute": 47}
